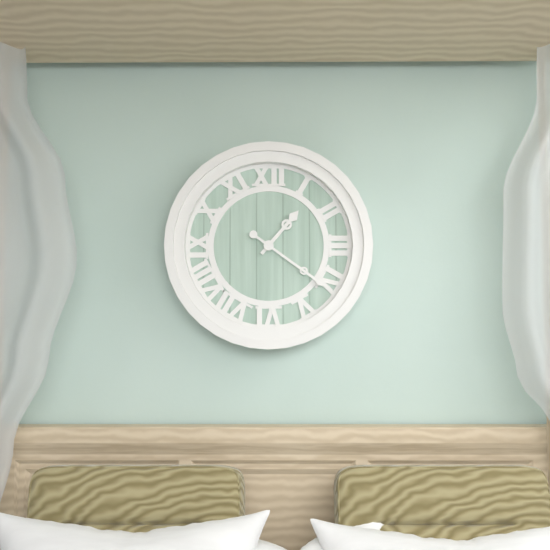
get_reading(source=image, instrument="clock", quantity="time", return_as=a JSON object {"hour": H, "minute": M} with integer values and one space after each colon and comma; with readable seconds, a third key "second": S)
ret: {"hour": 1, "minute": 21}
